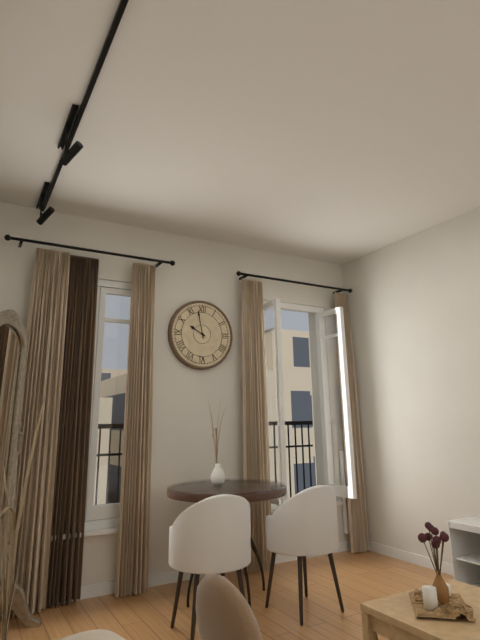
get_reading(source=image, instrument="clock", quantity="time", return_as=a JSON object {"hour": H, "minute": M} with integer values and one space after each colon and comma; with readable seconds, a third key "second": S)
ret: {"hour": 9, "minute": 58}
